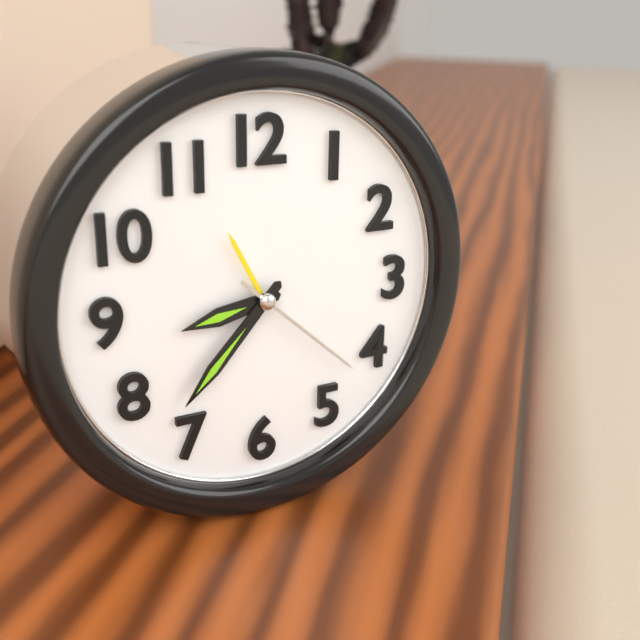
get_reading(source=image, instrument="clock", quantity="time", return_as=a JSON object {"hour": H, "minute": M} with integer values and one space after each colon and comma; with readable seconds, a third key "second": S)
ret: {"hour": 8, "minute": 37, "second": 22}
